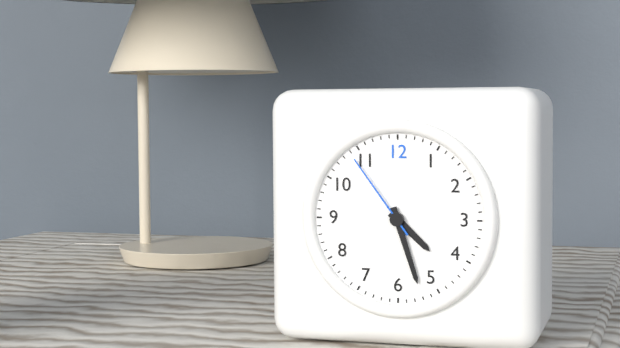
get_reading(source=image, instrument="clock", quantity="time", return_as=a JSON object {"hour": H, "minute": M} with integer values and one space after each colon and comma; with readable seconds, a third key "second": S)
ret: {"hour": 4, "minute": 27, "second": 54}
